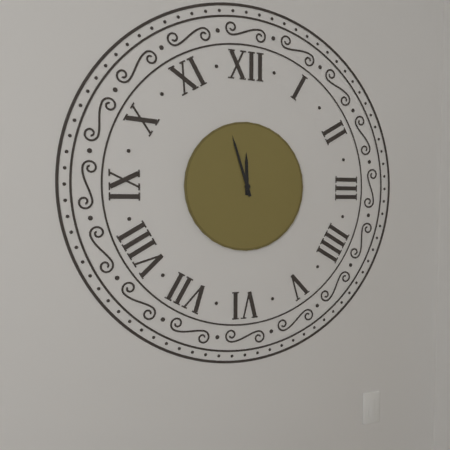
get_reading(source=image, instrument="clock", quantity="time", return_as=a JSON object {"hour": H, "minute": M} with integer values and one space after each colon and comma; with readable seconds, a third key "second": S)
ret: {"hour": 11, "minute": 57}
